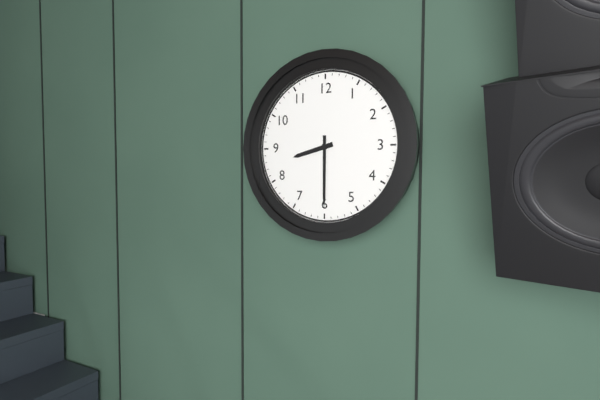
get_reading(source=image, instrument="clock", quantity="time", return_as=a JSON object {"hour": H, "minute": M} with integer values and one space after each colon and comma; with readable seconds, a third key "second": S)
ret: {"hour": 8, "minute": 30}
